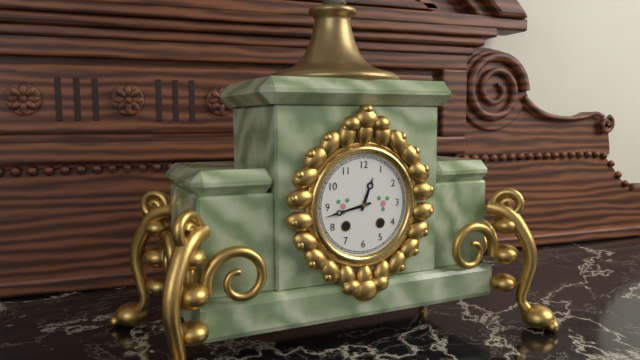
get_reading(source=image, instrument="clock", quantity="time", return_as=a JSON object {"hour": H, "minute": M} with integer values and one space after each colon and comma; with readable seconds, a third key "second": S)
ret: {"hour": 12, "minute": 43}
